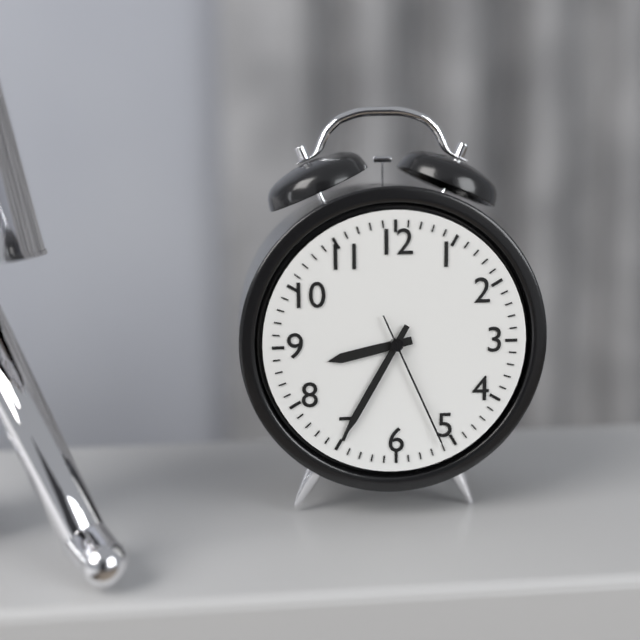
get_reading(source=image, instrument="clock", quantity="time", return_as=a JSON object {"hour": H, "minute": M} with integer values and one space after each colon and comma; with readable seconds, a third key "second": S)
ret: {"hour": 8, "minute": 35, "second": 26}
